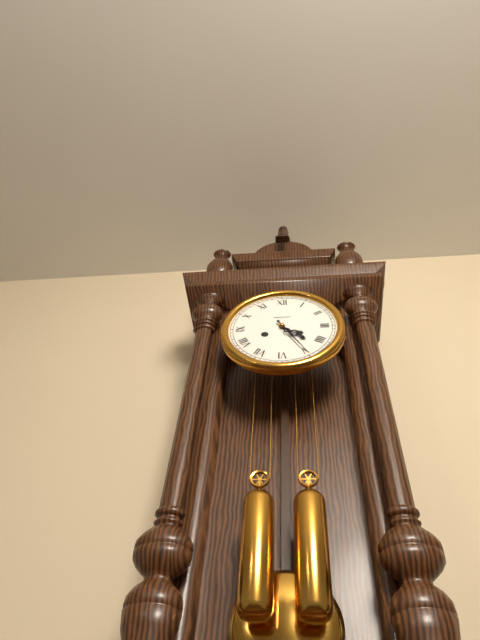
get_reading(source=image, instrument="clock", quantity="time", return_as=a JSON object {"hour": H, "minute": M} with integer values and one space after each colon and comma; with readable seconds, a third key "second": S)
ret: {"hour": 4, "minute": 25}
